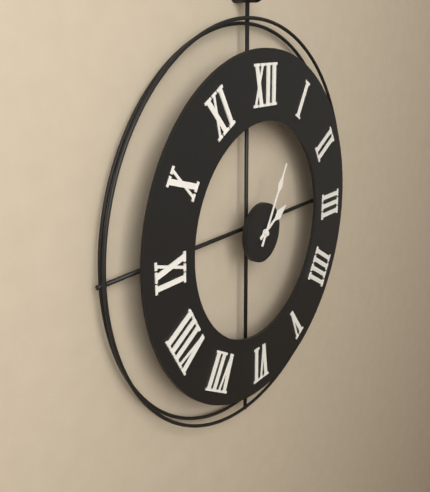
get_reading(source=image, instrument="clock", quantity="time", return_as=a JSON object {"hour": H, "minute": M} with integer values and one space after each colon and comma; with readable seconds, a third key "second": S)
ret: {"hour": 2, "minute": 5}
